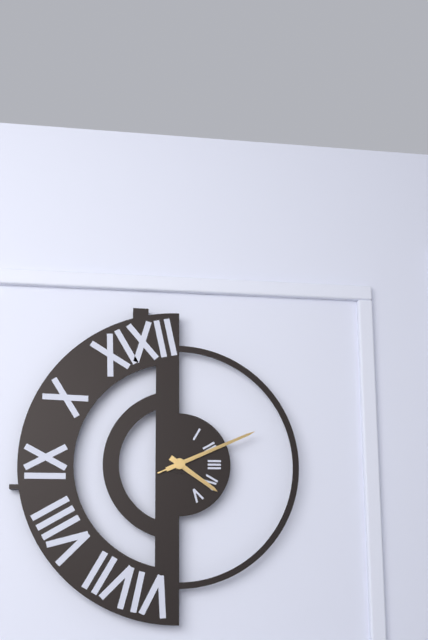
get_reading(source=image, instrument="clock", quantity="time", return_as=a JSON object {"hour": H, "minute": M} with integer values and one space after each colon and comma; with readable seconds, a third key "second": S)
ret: {"hour": 4, "minute": 11, "second": 11}
